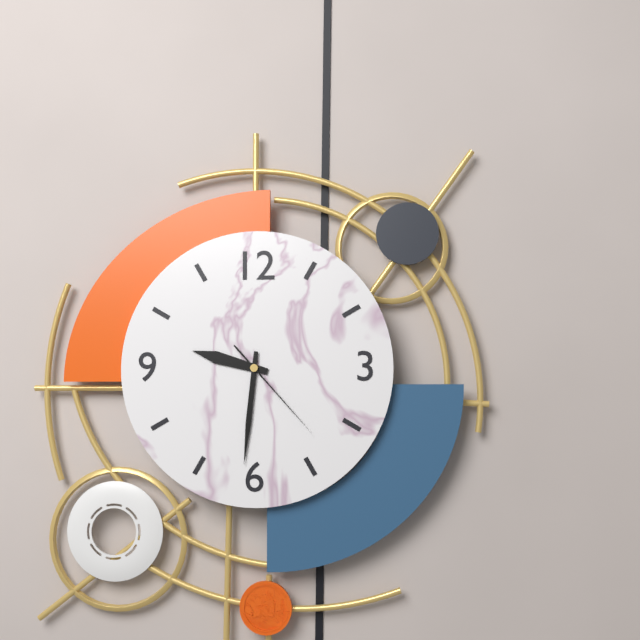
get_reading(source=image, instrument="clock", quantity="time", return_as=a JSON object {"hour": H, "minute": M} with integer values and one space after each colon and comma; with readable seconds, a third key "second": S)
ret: {"hour": 9, "minute": 31, "second": 23}
